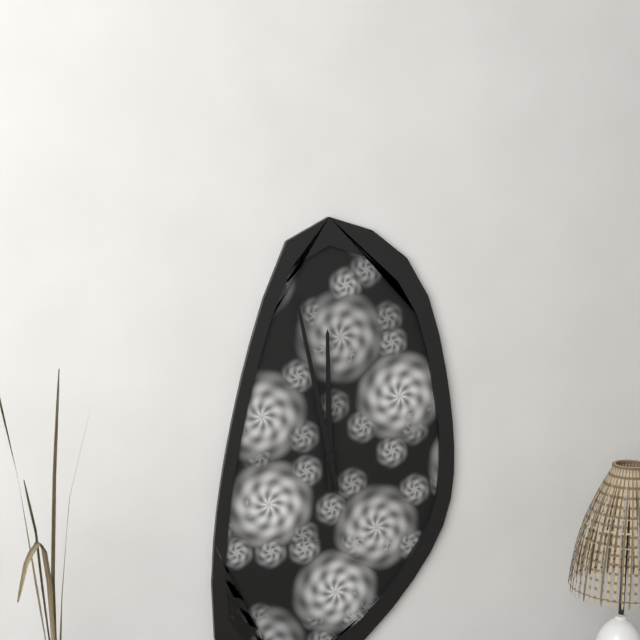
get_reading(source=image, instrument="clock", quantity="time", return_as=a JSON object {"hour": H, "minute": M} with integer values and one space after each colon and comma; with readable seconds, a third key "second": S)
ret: {"hour": 11, "minute": 58}
